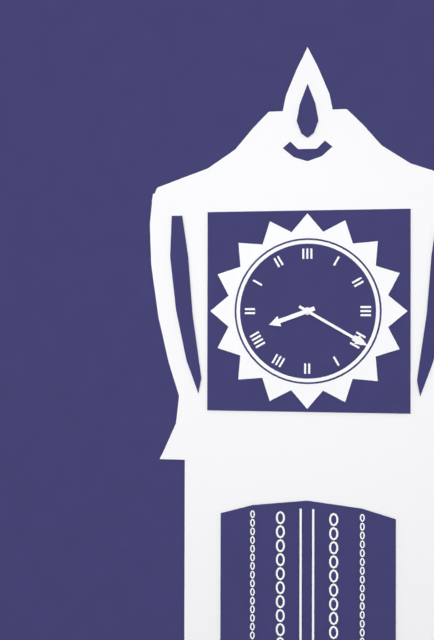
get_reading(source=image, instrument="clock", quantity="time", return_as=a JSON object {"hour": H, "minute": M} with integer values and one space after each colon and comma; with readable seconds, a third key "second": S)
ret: {"hour": 8, "minute": 20}
